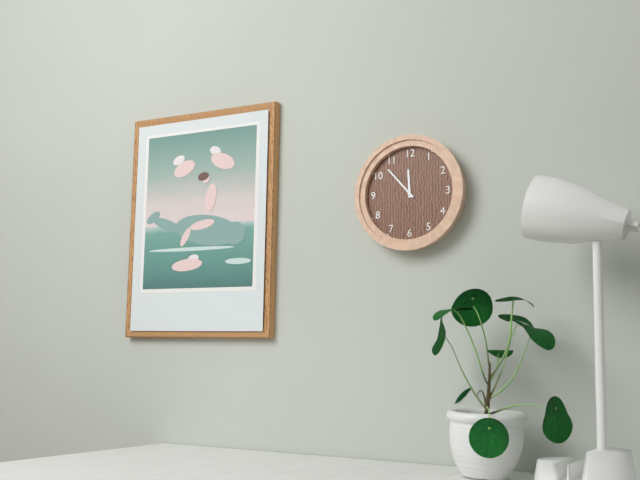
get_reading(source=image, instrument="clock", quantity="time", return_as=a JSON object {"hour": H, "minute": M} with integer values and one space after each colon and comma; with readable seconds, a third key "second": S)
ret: {"hour": 11, "minute": 53}
